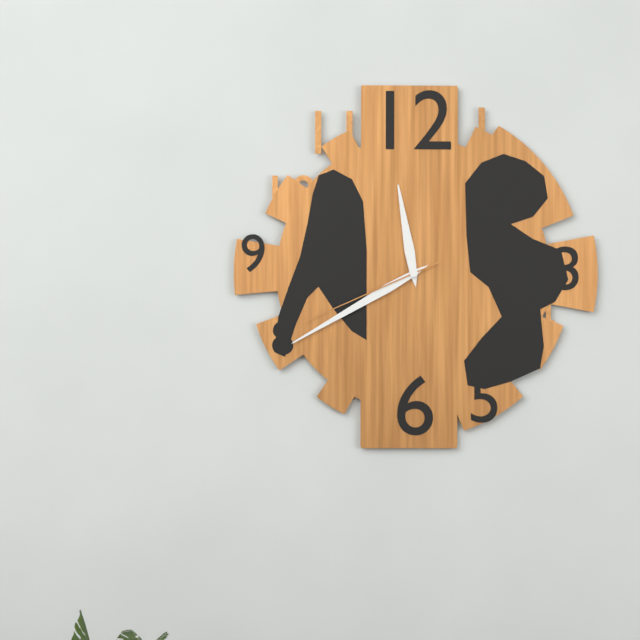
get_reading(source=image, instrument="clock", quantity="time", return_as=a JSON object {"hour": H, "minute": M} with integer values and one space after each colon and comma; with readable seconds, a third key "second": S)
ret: {"hour": 11, "minute": 40, "second": 41}
